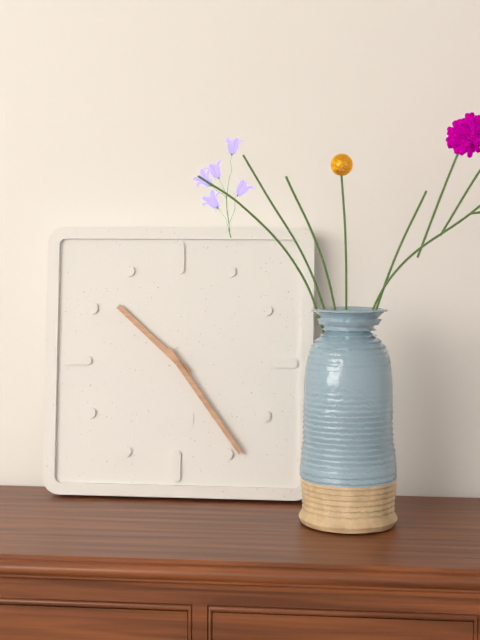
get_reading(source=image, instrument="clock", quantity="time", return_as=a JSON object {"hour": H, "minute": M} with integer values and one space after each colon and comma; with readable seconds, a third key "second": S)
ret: {"hour": 10, "minute": 24}
